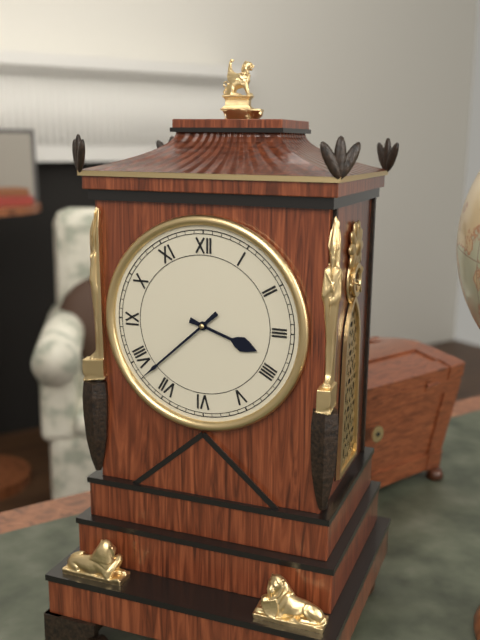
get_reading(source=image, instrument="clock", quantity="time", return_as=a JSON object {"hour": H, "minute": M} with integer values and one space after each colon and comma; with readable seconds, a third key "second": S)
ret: {"hour": 3, "minute": 38}
